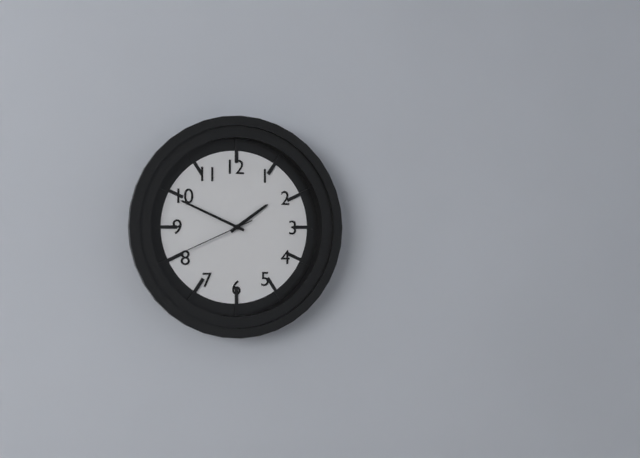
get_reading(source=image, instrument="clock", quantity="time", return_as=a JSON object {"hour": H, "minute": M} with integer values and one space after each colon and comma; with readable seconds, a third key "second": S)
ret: {"hour": 1, "minute": 49, "second": 41}
